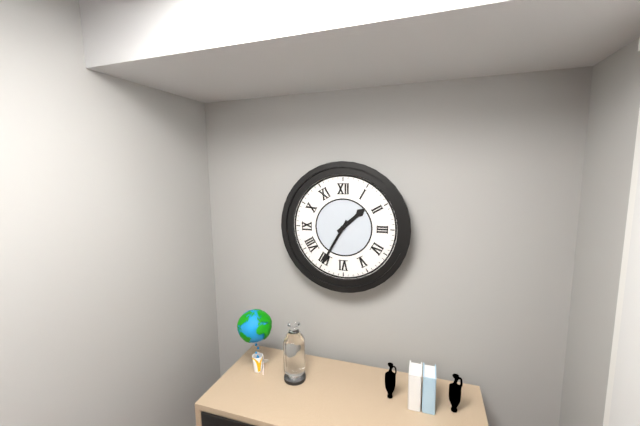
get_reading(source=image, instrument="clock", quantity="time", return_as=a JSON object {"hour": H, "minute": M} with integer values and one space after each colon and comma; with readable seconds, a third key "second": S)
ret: {"hour": 1, "minute": 35}
